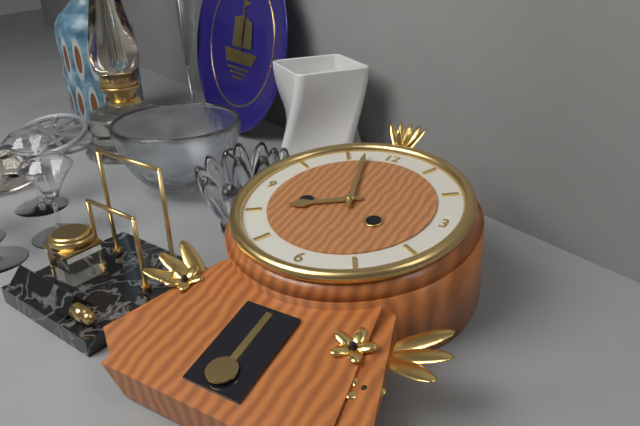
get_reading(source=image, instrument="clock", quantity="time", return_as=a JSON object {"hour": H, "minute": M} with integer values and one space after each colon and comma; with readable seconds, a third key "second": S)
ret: {"hour": 7, "minute": 57}
